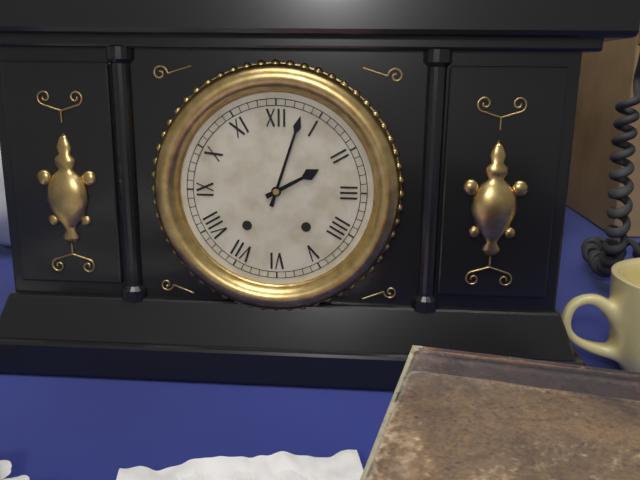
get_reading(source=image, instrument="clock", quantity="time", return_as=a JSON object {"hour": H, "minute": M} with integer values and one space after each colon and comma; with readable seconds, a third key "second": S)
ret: {"hour": 2, "minute": 3}
